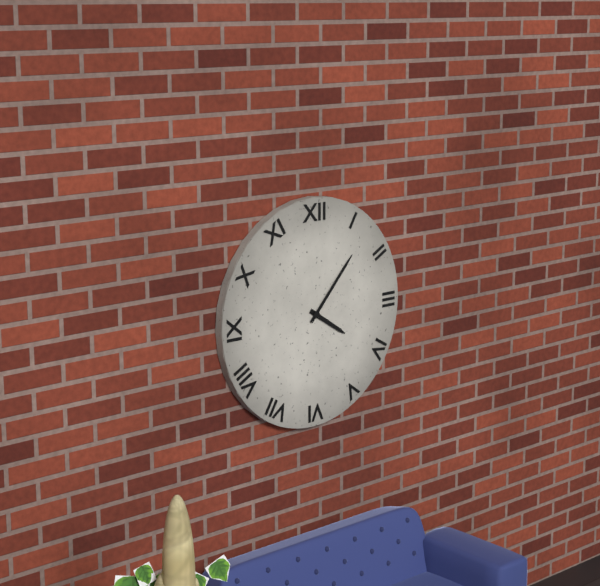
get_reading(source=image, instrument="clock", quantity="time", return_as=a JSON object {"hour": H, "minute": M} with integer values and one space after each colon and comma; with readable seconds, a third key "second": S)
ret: {"hour": 4, "minute": 7}
